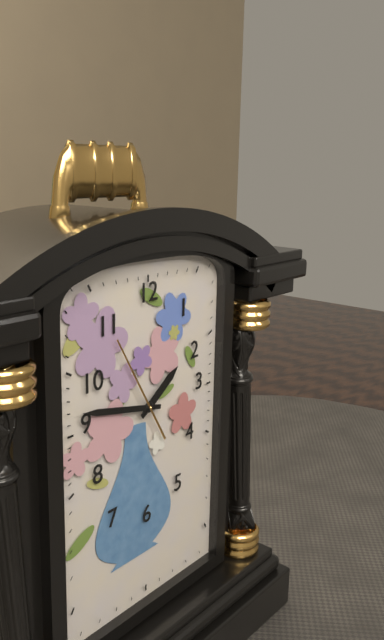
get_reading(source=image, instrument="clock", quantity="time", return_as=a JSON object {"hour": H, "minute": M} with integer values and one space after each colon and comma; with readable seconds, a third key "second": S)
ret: {"hour": 1, "minute": 47, "second": 55}
